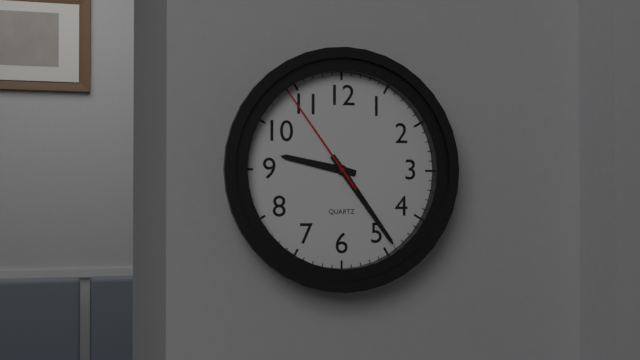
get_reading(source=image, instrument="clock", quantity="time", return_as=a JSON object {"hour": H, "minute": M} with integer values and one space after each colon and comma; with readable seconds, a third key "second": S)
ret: {"hour": 9, "minute": 24, "second": 54}
